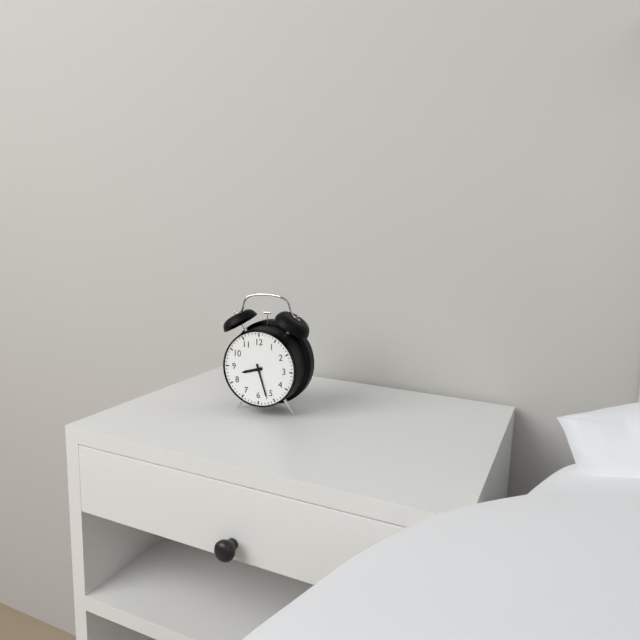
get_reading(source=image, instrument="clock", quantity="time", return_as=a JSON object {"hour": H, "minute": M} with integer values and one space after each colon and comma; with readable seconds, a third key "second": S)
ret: {"hour": 8, "minute": 27}
